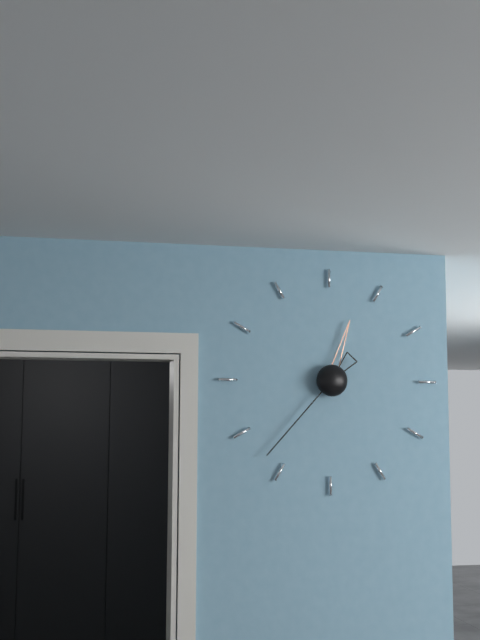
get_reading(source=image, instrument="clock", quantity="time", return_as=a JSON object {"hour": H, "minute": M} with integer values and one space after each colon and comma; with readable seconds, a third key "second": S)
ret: {"hour": 12, "minute": 37}
